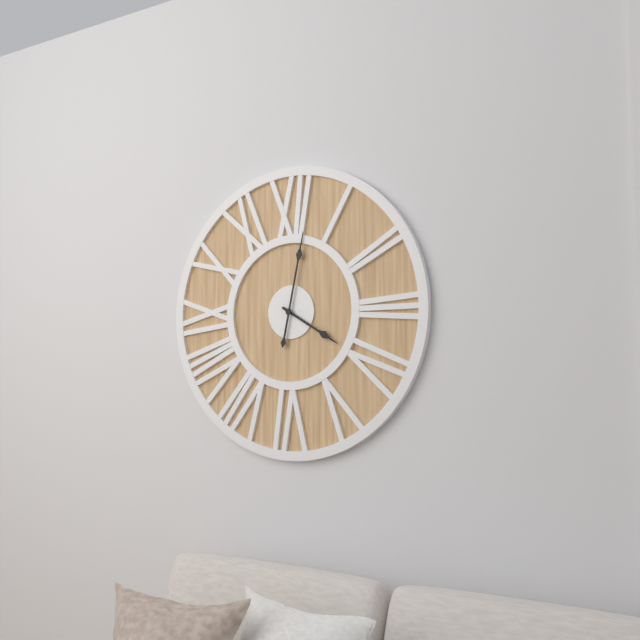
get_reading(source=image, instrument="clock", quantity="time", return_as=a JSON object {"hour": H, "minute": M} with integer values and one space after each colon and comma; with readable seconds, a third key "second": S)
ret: {"hour": 4, "minute": 2}
